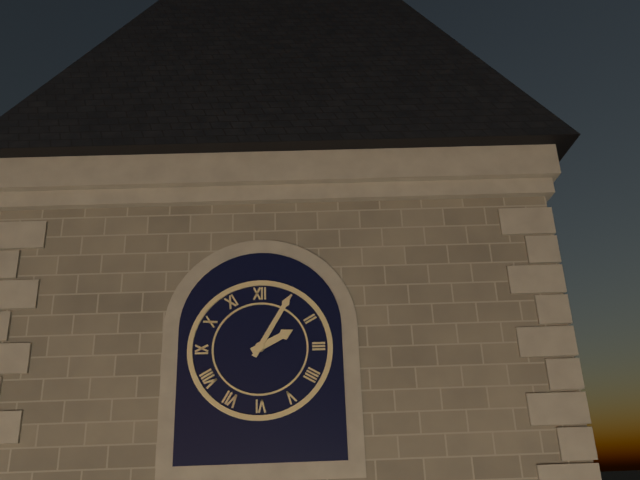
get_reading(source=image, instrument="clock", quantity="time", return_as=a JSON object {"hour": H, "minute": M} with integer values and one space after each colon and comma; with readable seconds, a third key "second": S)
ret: {"hour": 2, "minute": 5}
